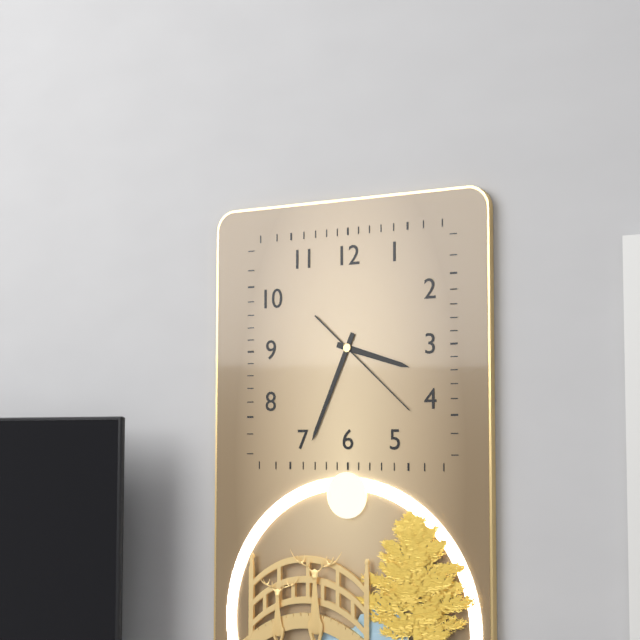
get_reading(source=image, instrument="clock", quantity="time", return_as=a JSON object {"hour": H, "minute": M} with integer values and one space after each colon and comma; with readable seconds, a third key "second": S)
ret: {"hour": 3, "minute": 34, "second": 22}
